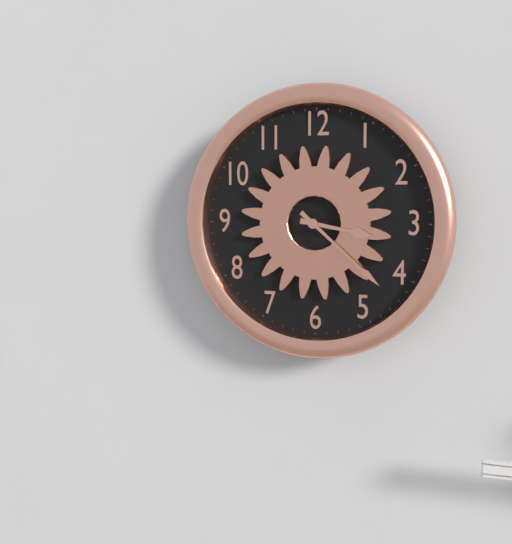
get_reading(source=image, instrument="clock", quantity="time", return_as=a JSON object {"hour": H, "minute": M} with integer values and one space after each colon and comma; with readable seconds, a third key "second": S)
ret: {"hour": 3, "minute": 22}
